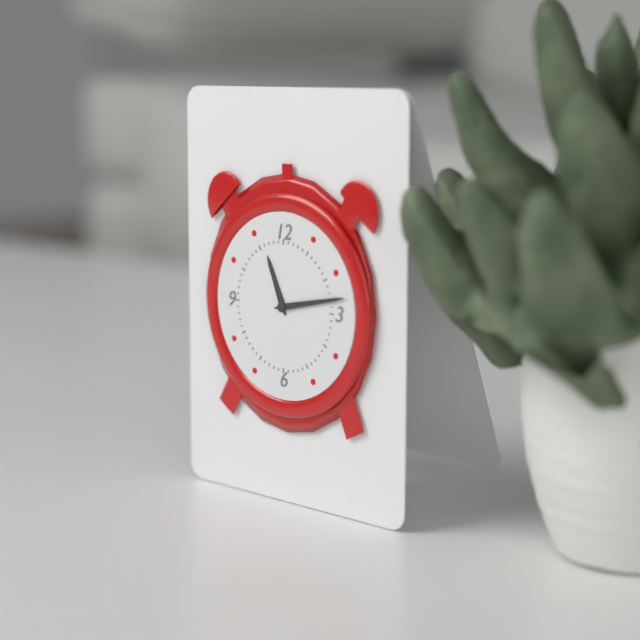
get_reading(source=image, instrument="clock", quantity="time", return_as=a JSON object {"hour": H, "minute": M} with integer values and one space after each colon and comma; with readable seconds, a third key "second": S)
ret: {"hour": 11, "minute": 13}
